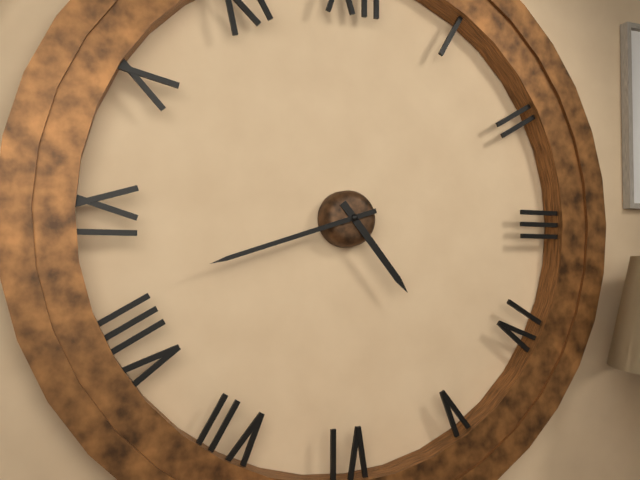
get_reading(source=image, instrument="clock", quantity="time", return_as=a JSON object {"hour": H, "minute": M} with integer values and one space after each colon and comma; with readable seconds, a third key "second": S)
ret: {"hour": 4, "minute": 42}
